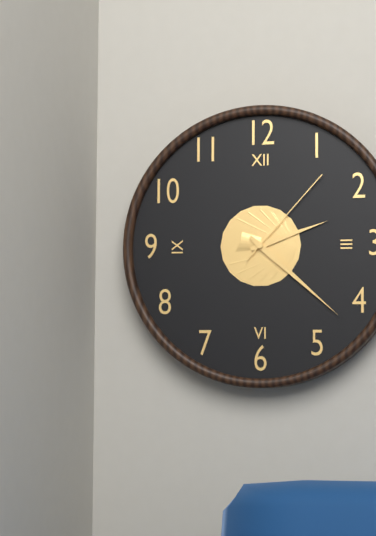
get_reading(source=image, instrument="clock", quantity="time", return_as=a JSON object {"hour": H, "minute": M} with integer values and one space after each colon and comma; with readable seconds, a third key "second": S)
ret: {"hour": 2, "minute": 22, "second": 7}
